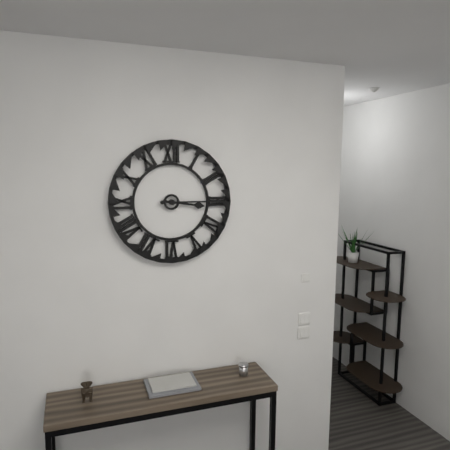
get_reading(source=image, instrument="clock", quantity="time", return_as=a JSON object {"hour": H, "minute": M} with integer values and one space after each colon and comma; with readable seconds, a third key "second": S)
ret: {"hour": 3, "minute": 15}
